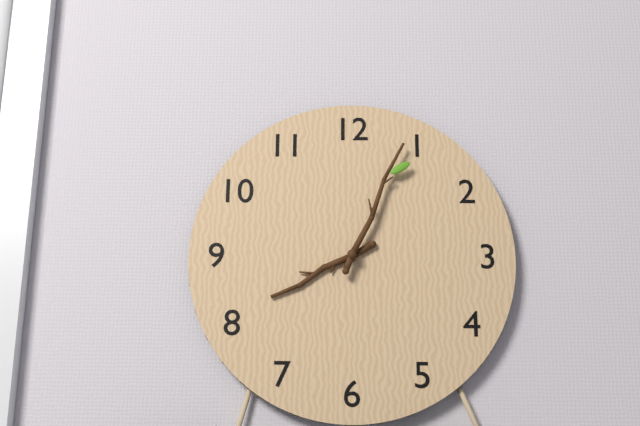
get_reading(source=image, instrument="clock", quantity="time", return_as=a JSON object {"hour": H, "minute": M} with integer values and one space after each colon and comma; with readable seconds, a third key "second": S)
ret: {"hour": 8, "minute": 4}
